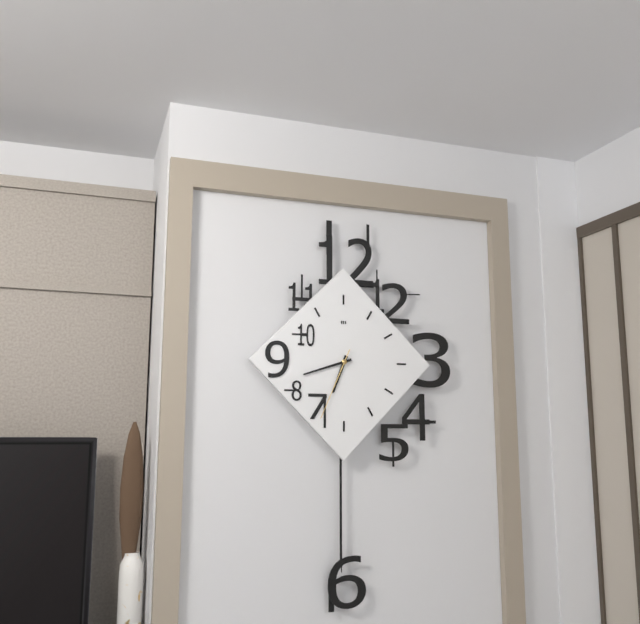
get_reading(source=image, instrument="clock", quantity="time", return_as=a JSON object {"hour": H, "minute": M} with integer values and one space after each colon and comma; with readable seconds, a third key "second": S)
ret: {"hour": 6, "minute": 42, "second": 34}
